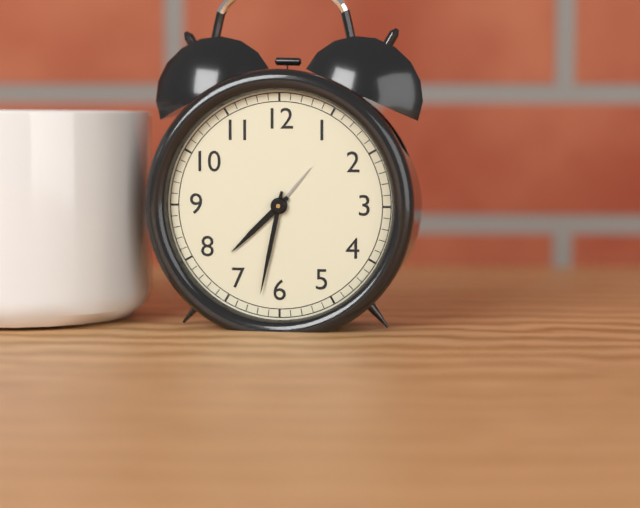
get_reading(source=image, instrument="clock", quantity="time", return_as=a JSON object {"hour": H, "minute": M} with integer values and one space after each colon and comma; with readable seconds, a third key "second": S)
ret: {"hour": 7, "minute": 32}
